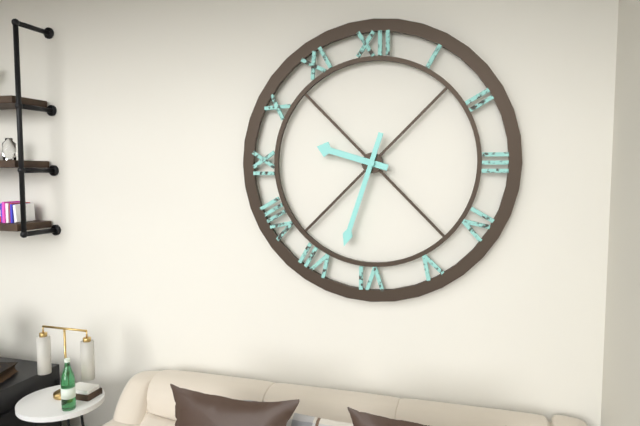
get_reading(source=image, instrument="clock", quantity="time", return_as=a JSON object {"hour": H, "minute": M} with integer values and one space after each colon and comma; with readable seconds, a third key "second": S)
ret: {"hour": 9, "minute": 33}
